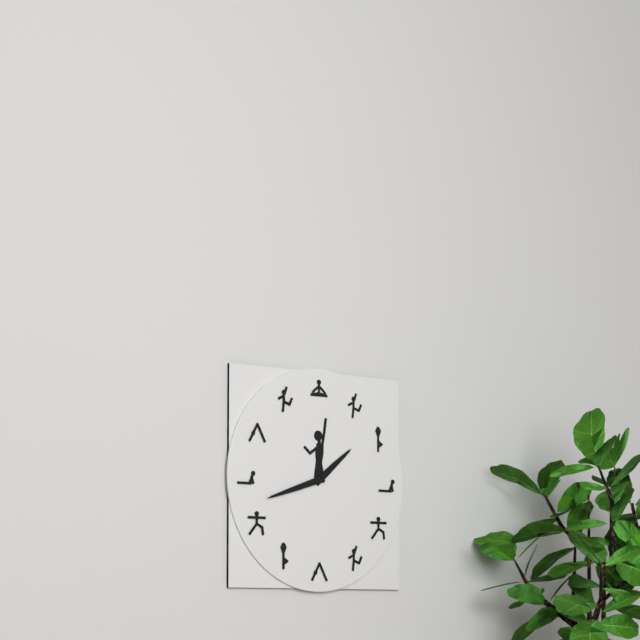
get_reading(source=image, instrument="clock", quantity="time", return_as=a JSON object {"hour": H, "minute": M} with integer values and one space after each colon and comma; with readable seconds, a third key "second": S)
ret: {"hour": 1, "minute": 42}
